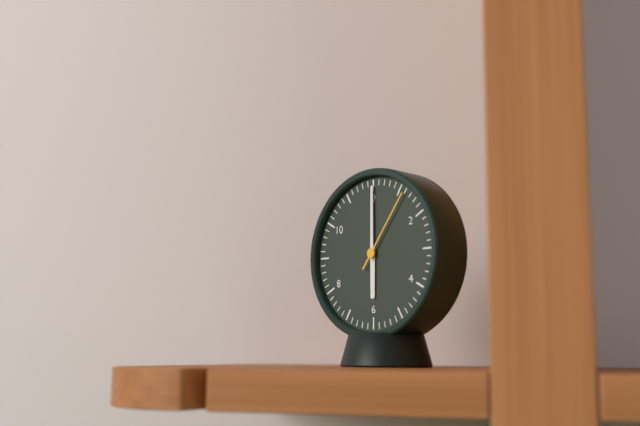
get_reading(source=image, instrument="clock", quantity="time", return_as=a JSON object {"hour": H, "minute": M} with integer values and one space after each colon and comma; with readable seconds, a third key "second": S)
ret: {"hour": 6, "minute": 0, "second": 6}
